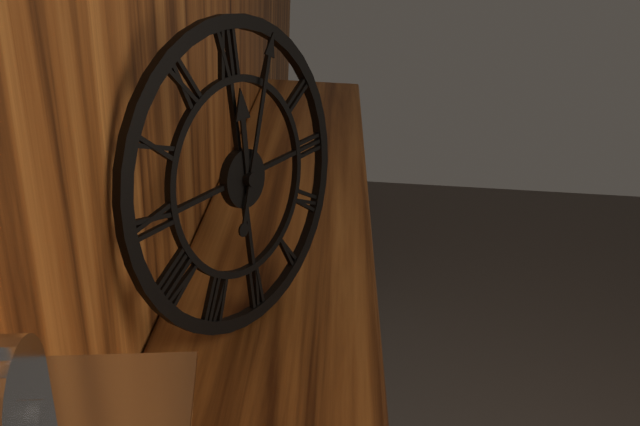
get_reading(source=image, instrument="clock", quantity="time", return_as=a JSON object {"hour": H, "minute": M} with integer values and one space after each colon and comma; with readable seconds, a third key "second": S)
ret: {"hour": 12, "minute": 4}
